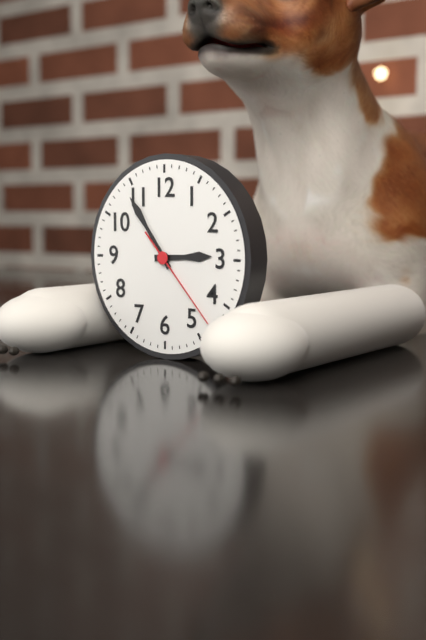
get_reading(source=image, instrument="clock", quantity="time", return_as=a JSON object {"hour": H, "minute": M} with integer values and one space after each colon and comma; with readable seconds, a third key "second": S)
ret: {"hour": 2, "minute": 54, "second": 23}
